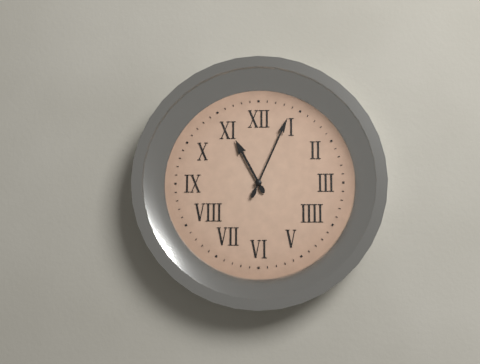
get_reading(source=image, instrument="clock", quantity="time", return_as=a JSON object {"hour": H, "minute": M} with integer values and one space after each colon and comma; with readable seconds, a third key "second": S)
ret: {"hour": 11, "minute": 4}
